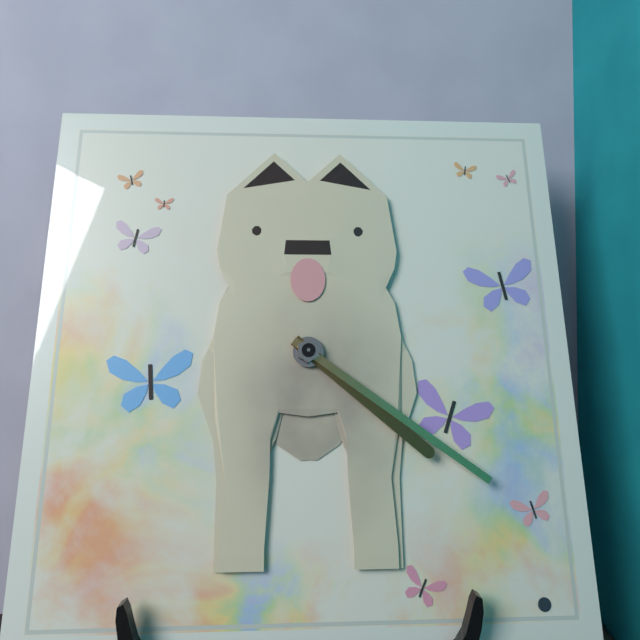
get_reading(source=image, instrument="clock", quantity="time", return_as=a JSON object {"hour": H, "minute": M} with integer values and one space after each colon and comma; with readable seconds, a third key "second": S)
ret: {"hour": 4, "minute": 21}
